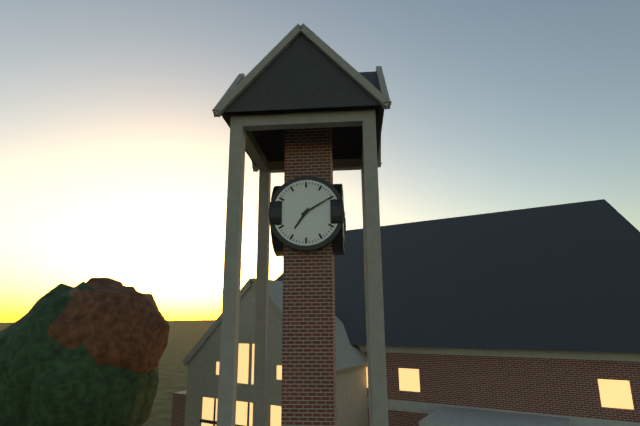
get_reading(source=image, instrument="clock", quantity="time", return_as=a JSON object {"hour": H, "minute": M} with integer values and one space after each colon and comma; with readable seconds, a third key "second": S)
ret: {"hour": 7, "minute": 10}
